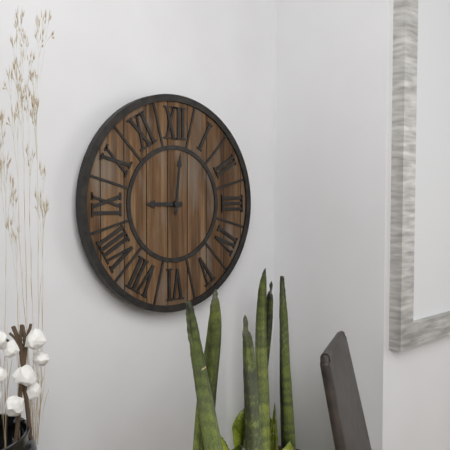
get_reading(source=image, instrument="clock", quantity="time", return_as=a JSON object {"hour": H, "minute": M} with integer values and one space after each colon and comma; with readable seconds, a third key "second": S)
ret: {"hour": 9, "minute": 1}
